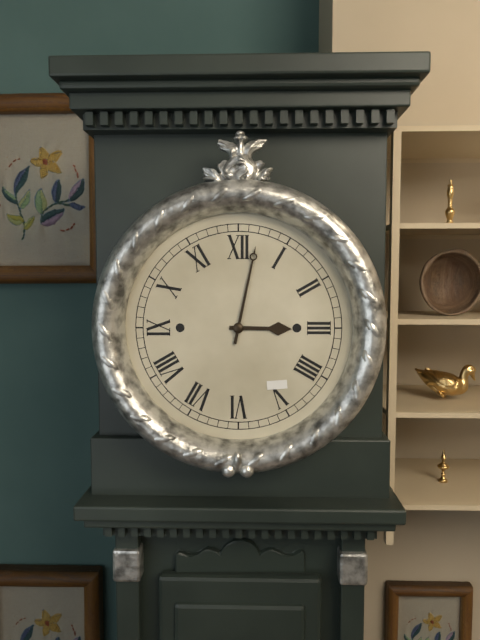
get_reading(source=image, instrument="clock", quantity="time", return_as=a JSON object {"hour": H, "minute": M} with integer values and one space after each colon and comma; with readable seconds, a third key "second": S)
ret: {"hour": 3, "minute": 2}
